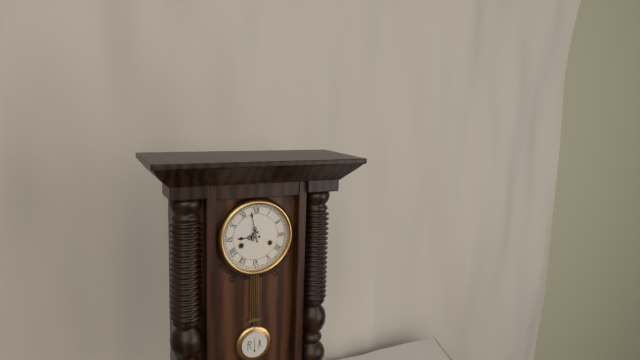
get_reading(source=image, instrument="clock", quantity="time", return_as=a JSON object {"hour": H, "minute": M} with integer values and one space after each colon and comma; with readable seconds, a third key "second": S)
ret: {"hour": 8, "minute": 58}
